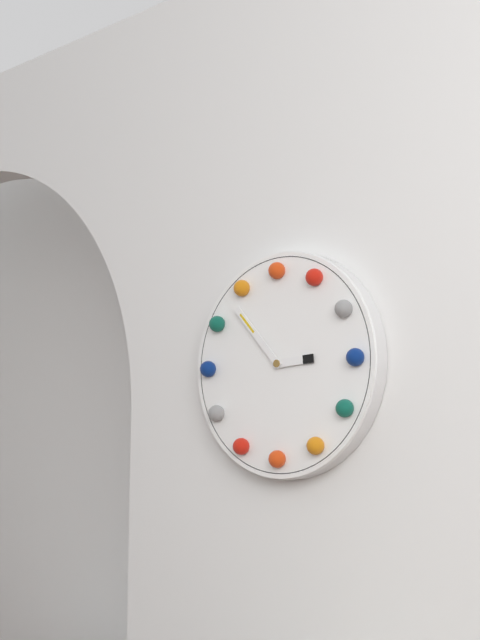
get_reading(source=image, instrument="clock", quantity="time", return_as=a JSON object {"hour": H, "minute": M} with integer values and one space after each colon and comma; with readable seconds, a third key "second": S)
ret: {"hour": 2, "minute": 53}
